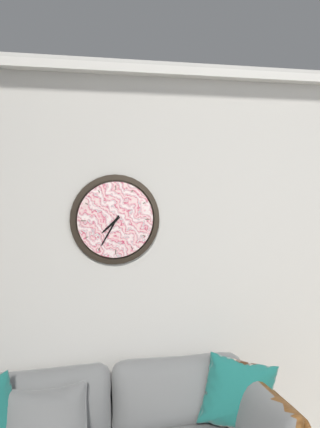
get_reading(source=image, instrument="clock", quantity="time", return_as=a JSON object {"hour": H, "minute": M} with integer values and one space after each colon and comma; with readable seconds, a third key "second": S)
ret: {"hour": 7, "minute": 35}
